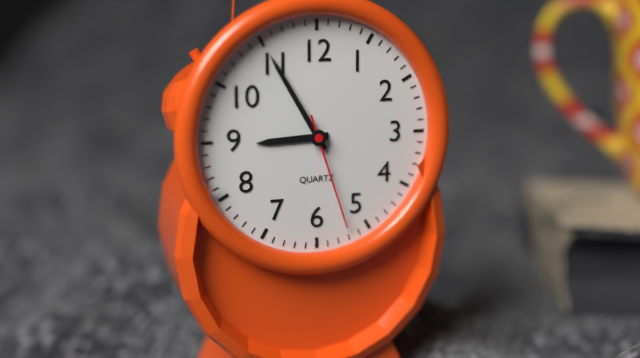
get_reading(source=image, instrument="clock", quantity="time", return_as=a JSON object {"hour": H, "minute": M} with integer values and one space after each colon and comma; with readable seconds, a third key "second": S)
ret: {"hour": 8, "minute": 55, "second": 27}
